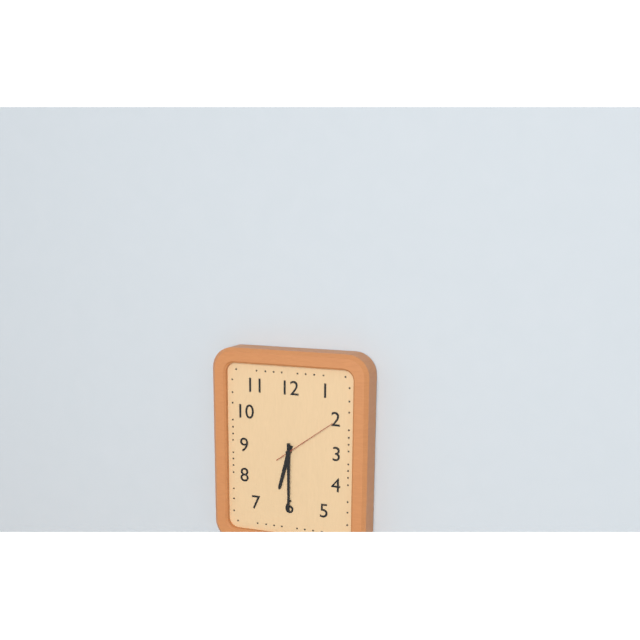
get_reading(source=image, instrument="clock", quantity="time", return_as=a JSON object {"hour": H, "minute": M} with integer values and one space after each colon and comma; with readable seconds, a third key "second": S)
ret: {"hour": 6, "minute": 30, "second": 9}
